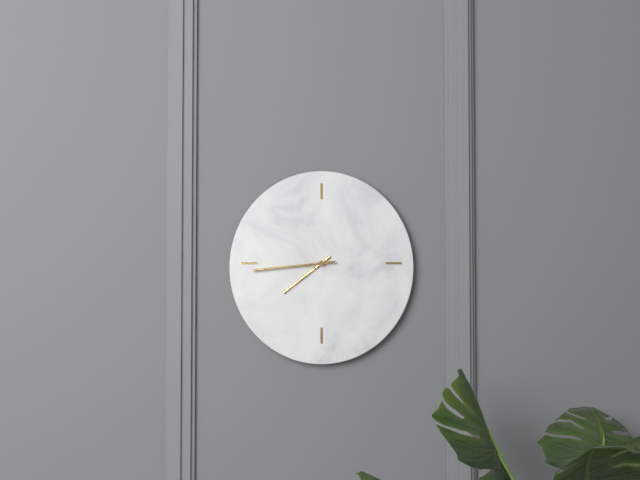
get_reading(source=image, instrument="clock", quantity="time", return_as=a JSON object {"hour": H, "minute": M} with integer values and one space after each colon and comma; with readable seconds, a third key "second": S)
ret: {"hour": 7, "minute": 44}
